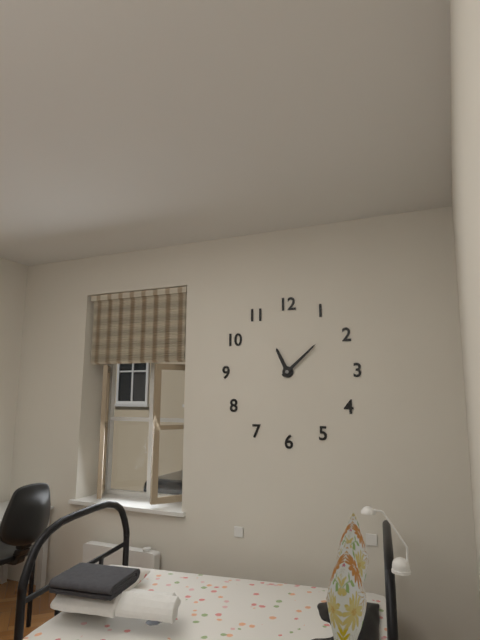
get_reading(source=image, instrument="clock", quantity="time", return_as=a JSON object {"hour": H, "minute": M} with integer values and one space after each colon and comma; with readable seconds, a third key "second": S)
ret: {"hour": 11, "minute": 8}
